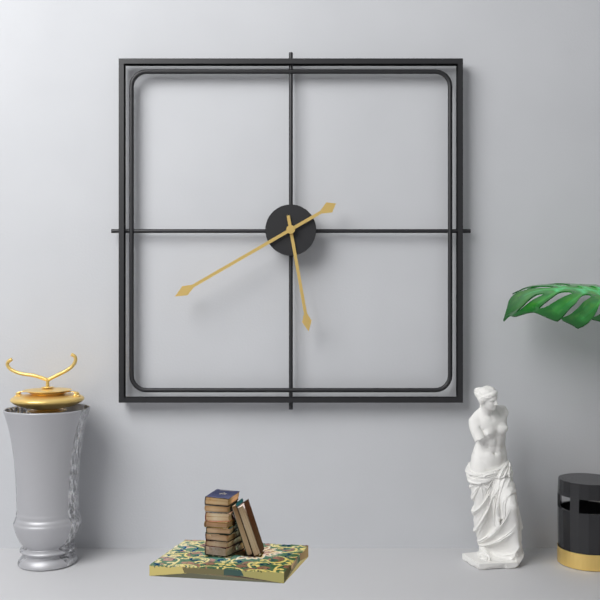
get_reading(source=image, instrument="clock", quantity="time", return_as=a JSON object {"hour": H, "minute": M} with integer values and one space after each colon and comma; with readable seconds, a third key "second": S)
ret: {"hour": 5, "minute": 40}
